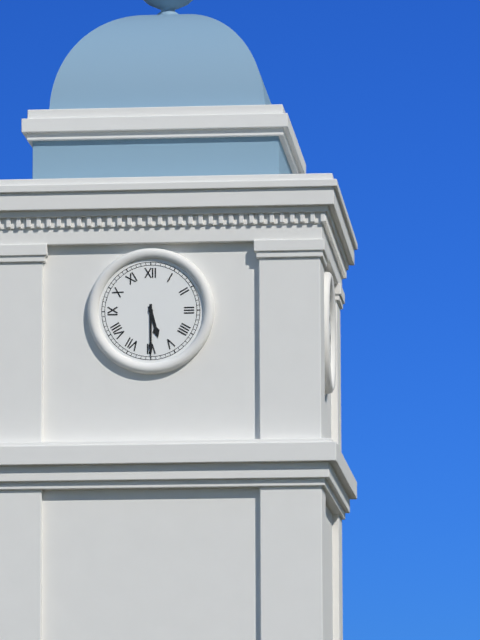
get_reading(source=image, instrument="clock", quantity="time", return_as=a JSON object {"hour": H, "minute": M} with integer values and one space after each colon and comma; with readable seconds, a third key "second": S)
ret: {"hour": 5, "minute": 30}
